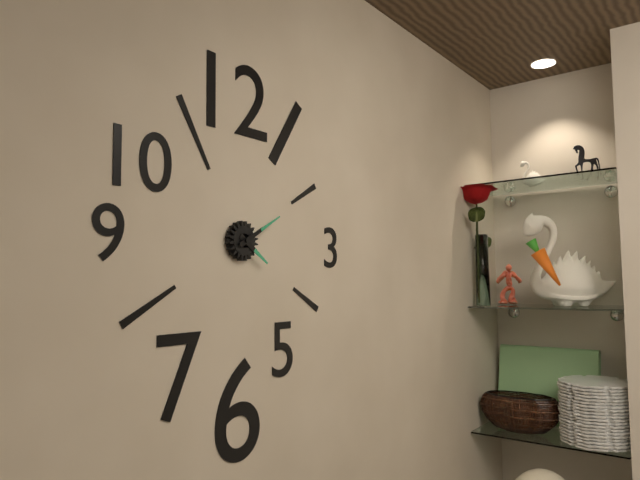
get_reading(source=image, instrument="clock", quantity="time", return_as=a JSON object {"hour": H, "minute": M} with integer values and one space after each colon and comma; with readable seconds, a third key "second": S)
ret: {"hour": 4, "minute": 10}
